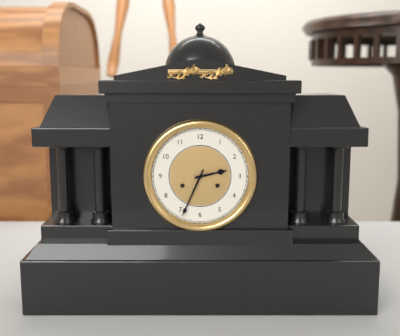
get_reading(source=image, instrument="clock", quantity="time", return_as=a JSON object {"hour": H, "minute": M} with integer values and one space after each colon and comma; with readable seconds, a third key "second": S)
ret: {"hour": 2, "minute": 34}
